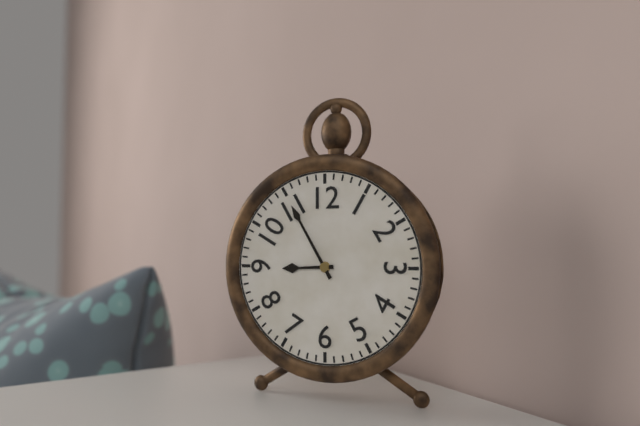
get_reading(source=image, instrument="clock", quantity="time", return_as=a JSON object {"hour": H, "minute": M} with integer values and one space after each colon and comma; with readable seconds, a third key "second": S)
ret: {"hour": 8, "minute": 55}
